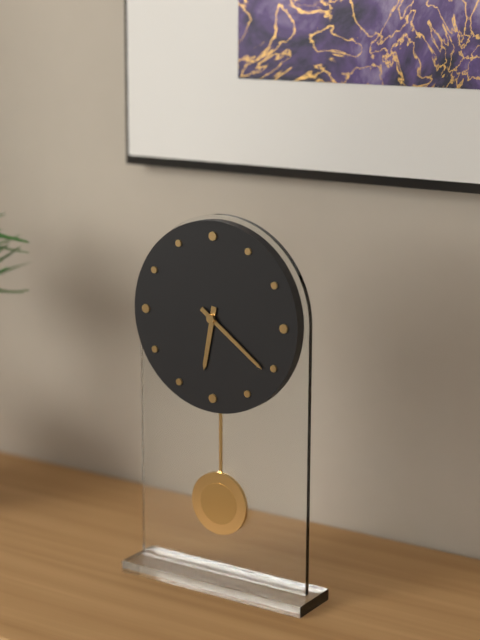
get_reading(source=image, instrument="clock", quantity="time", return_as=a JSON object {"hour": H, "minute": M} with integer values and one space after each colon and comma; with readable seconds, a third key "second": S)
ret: {"hour": 6, "minute": 21}
